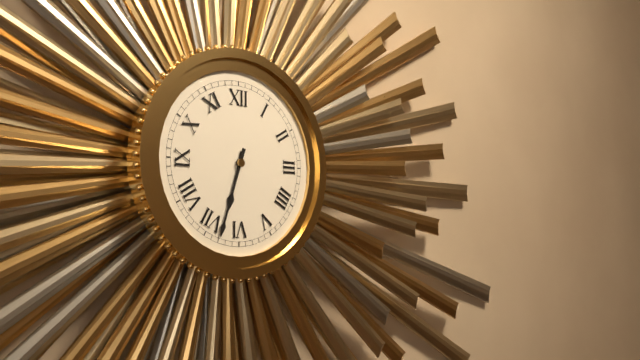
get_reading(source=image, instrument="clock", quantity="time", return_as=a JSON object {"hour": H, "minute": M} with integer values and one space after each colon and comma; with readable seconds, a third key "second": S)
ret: {"hour": 6, "minute": 33}
